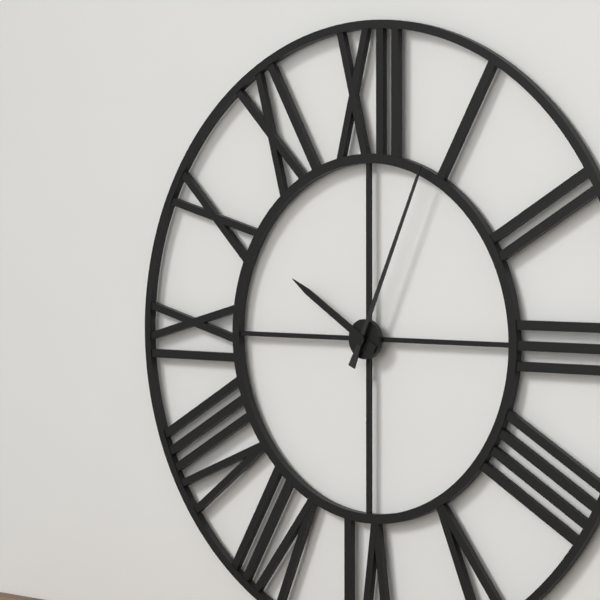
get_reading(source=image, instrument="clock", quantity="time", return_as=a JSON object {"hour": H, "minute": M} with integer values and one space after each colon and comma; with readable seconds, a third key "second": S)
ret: {"hour": 10, "minute": 4}
